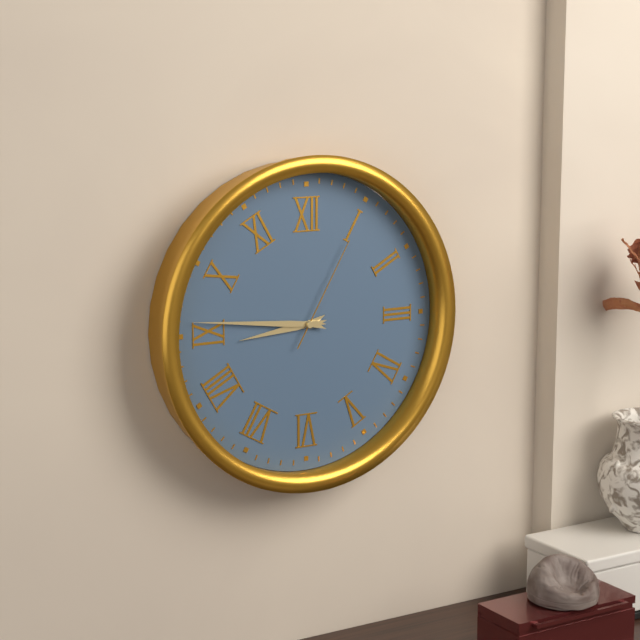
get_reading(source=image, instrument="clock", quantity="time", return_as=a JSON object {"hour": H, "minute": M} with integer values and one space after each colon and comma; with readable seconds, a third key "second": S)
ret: {"hour": 8, "minute": 46, "second": 5}
